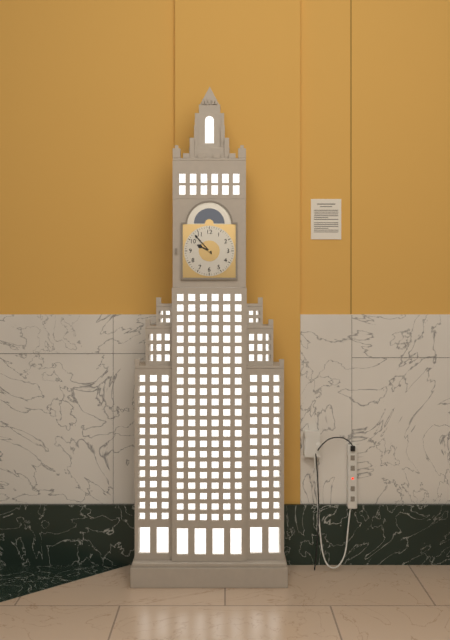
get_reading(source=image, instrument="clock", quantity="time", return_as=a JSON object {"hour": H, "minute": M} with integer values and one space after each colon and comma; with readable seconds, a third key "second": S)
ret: {"hour": 9, "minute": 53}
